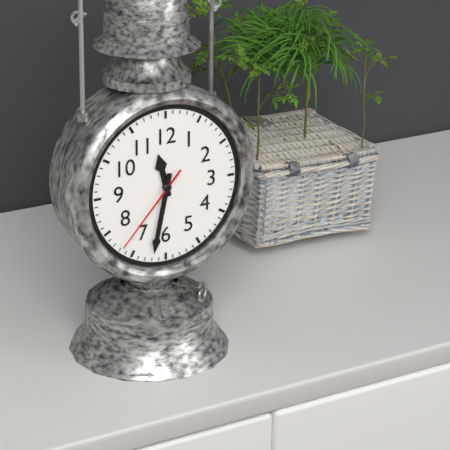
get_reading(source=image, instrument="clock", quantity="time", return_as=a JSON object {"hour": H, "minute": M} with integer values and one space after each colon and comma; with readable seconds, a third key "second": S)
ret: {"hour": 11, "minute": 32, "second": 37}
